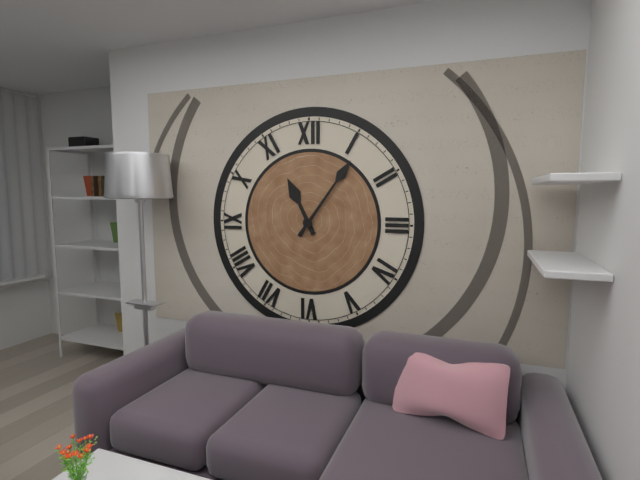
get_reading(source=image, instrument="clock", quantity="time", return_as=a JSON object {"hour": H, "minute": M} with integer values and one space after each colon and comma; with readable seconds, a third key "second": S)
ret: {"hour": 11, "minute": 6}
